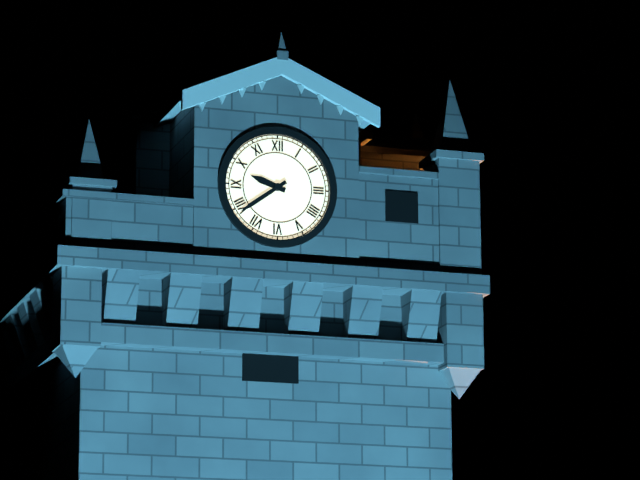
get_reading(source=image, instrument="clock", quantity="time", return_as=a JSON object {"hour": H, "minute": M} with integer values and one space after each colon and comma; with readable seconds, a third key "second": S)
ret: {"hour": 9, "minute": 39}
